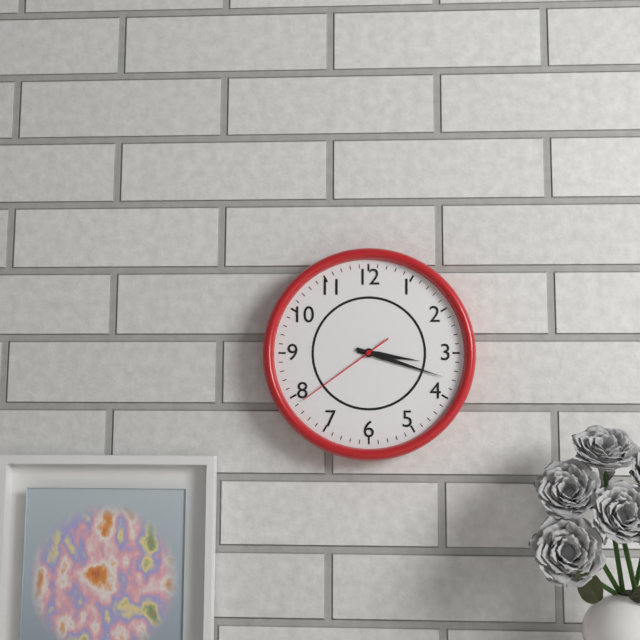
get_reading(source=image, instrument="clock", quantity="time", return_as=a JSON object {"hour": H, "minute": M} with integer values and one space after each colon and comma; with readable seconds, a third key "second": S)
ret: {"hour": 3, "minute": 18, "second": 39}
